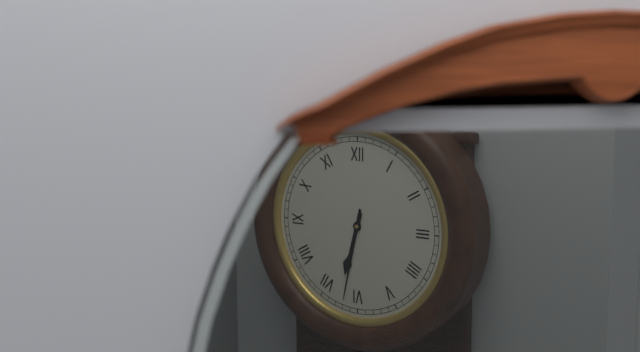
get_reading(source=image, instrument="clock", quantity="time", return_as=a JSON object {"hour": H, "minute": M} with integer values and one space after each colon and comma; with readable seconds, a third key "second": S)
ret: {"hour": 6, "minute": 32}
